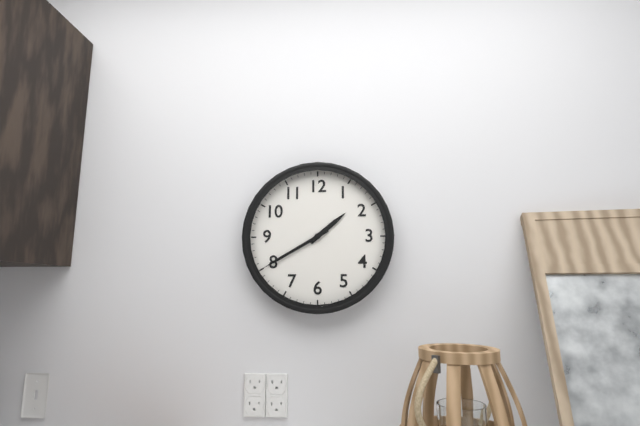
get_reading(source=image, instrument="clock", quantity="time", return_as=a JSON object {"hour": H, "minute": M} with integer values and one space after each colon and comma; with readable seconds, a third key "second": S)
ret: {"hour": 1, "minute": 40}
